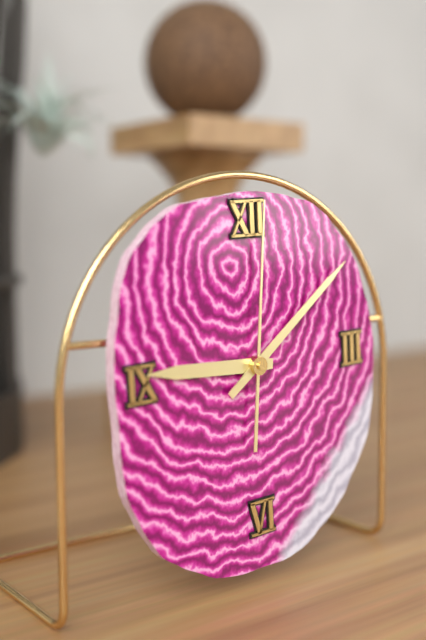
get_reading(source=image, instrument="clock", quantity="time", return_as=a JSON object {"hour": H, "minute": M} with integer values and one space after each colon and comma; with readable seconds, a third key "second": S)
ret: {"hour": 9, "minute": 9, "second": 1}
